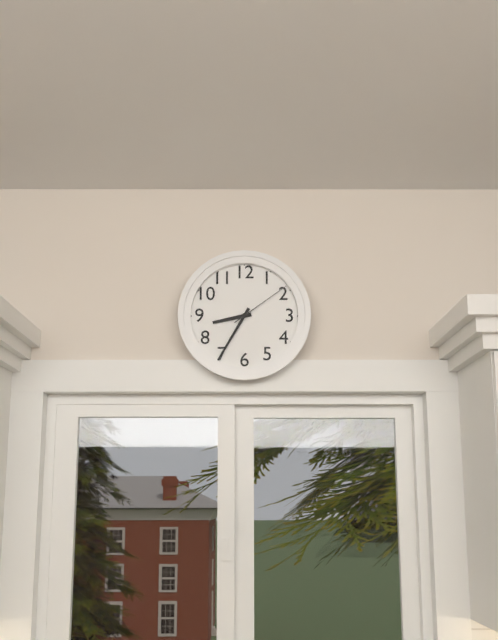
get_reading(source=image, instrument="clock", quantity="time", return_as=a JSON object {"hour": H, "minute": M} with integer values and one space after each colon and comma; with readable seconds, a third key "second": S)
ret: {"hour": 8, "minute": 35, "second": 9}
